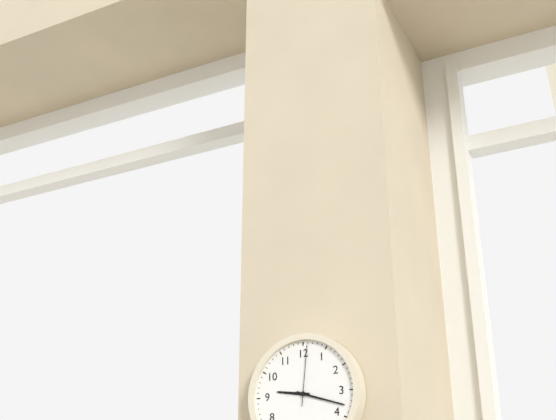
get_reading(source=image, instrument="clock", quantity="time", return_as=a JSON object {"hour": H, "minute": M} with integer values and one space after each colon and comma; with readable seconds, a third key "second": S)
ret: {"hour": 9, "minute": 18, "second": 1}
